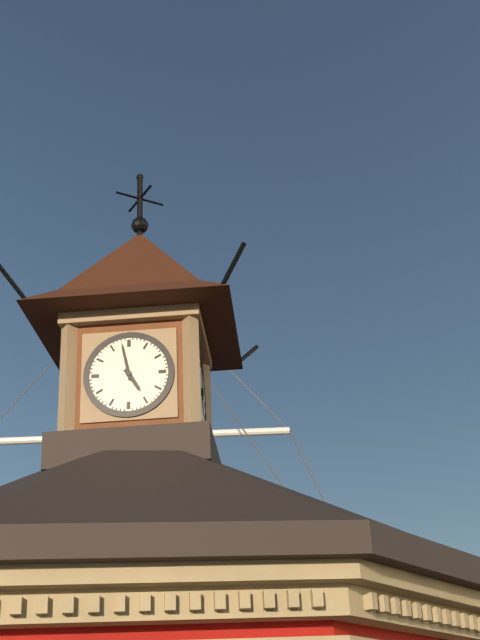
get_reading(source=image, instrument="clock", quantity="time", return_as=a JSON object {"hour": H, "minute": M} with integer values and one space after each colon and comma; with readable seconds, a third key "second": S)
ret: {"hour": 4, "minute": 58}
